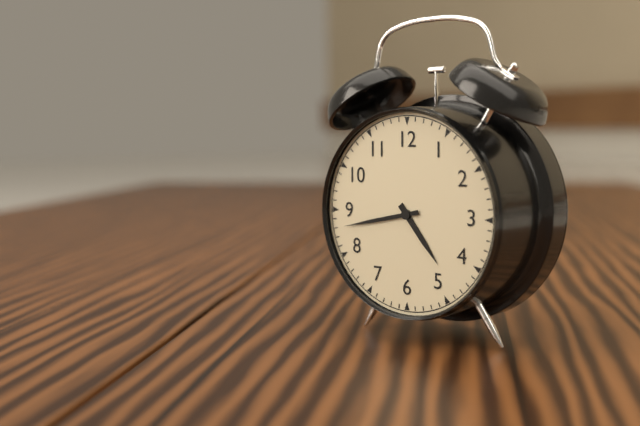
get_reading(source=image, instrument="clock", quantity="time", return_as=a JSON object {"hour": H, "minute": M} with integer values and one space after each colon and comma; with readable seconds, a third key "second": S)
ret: {"hour": 4, "minute": 43}
